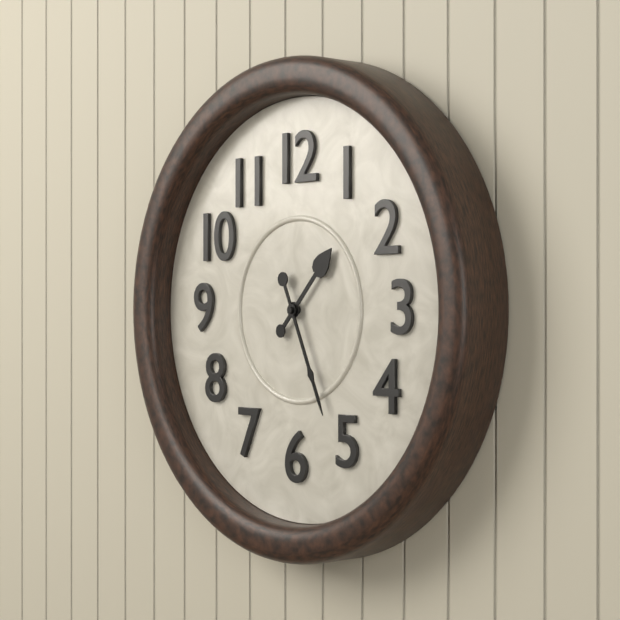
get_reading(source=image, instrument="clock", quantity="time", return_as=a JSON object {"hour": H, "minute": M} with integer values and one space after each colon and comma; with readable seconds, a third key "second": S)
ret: {"hour": 1, "minute": 26}
